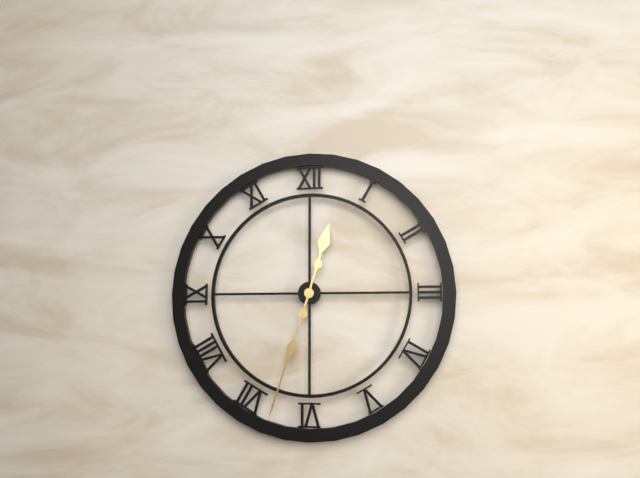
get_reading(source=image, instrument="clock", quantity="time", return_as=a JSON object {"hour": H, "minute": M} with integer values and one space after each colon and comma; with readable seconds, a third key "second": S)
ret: {"hour": 12, "minute": 33}
